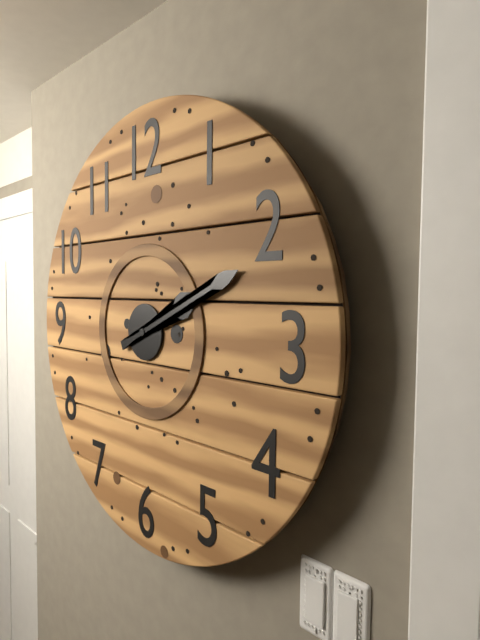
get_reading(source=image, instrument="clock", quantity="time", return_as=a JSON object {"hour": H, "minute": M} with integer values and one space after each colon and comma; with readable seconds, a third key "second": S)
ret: {"hour": 2, "minute": 11}
